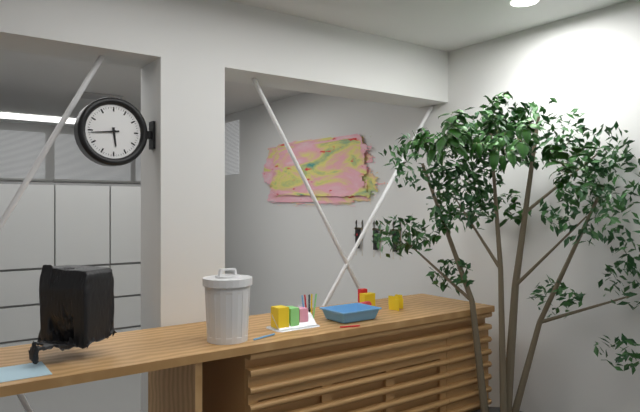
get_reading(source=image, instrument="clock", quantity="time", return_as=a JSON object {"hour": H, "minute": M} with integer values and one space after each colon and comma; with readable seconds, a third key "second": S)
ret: {"hour": 5, "minute": 44}
